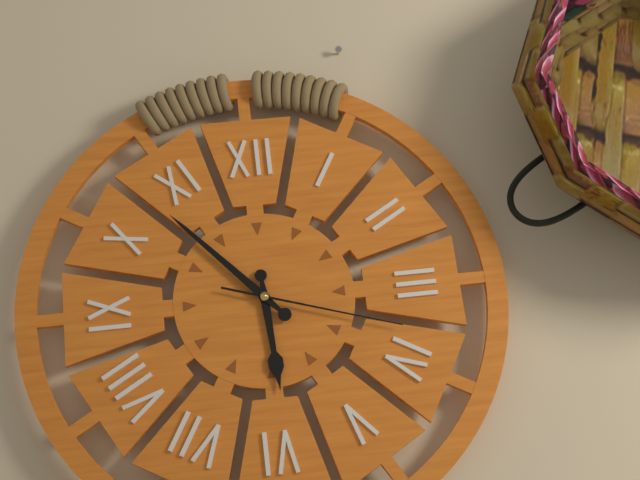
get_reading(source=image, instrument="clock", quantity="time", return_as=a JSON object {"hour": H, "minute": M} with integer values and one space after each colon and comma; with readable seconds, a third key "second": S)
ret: {"hour": 5, "minute": 53, "second": 18}
